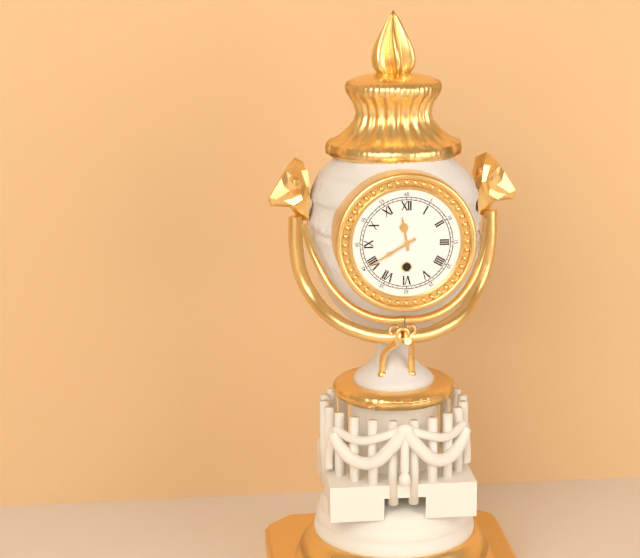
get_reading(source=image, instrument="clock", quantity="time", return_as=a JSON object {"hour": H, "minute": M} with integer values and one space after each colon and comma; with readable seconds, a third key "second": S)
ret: {"hour": 11, "minute": 40}
